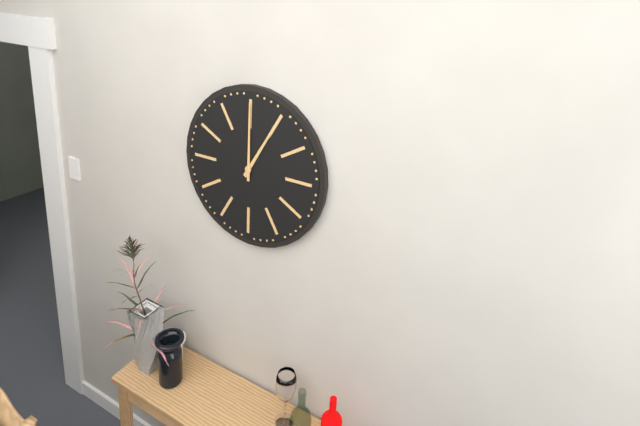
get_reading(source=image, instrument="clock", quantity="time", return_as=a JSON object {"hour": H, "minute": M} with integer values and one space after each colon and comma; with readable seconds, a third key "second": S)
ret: {"hour": 1, "minute": 0}
